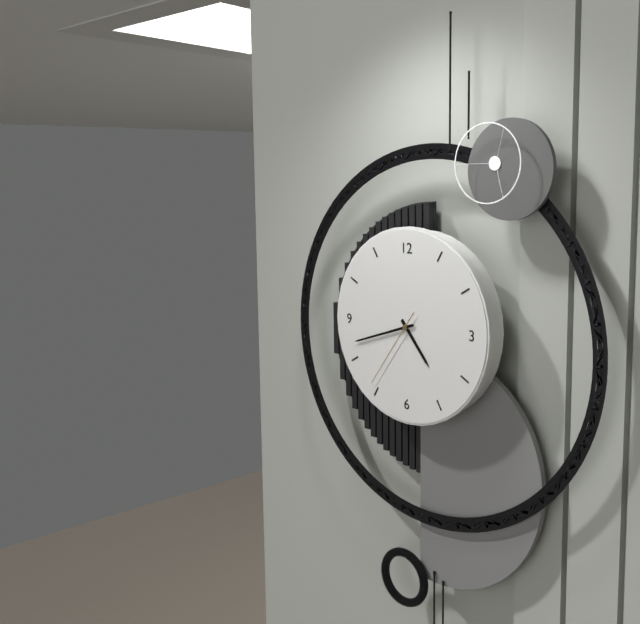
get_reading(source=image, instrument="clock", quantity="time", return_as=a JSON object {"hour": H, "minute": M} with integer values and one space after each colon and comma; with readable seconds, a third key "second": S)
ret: {"hour": 4, "minute": 42, "second": 36}
